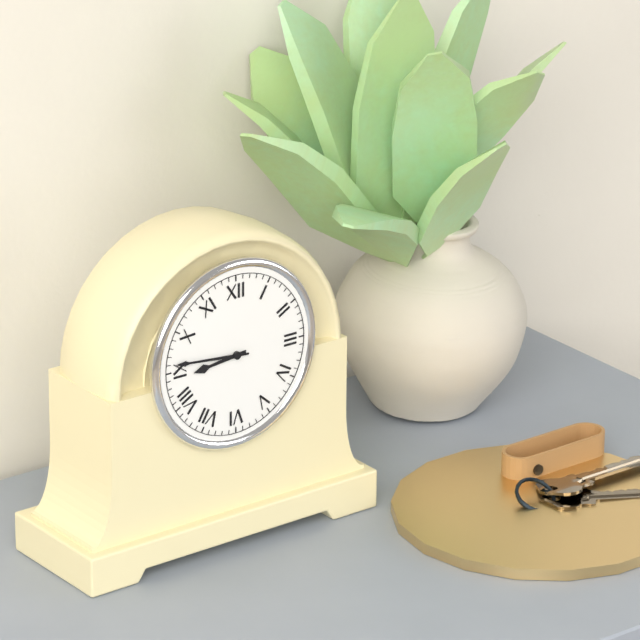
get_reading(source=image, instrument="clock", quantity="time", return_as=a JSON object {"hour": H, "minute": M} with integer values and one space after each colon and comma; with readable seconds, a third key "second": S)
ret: {"hour": 8, "minute": 46}
